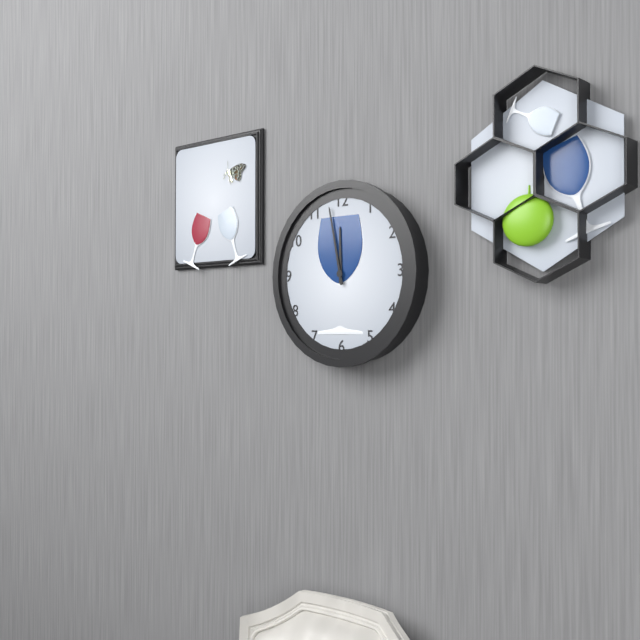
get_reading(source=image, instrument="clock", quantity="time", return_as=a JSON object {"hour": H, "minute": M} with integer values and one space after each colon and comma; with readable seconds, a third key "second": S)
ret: {"hour": 11, "minute": 58}
